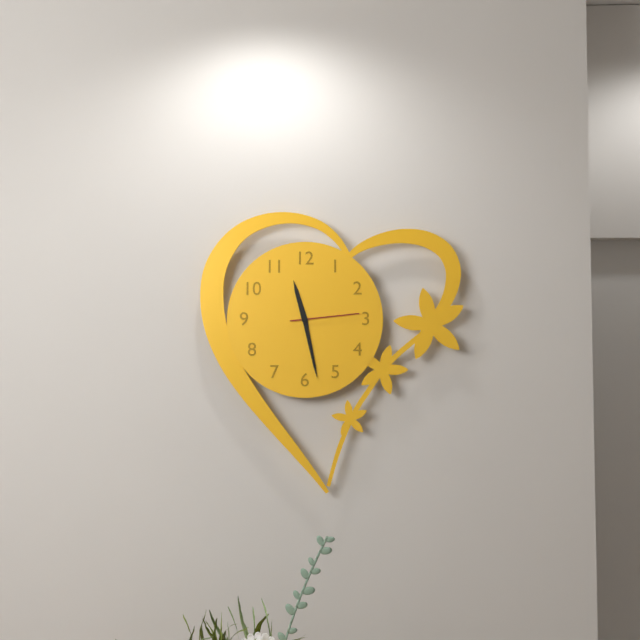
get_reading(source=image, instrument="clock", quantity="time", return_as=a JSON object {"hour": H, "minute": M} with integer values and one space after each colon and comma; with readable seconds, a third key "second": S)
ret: {"hour": 11, "minute": 28, "second": 14}
